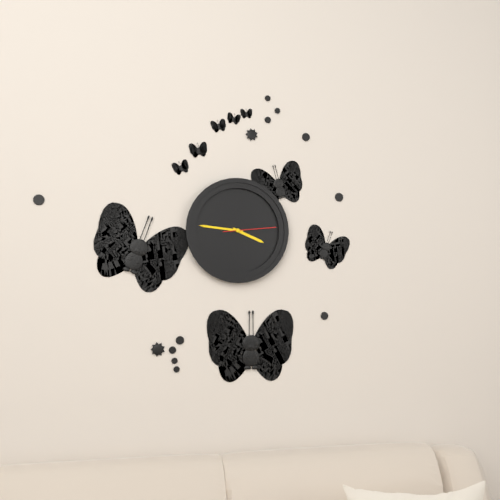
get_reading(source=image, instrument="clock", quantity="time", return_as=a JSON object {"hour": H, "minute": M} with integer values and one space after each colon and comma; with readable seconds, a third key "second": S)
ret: {"hour": 3, "minute": 46}
